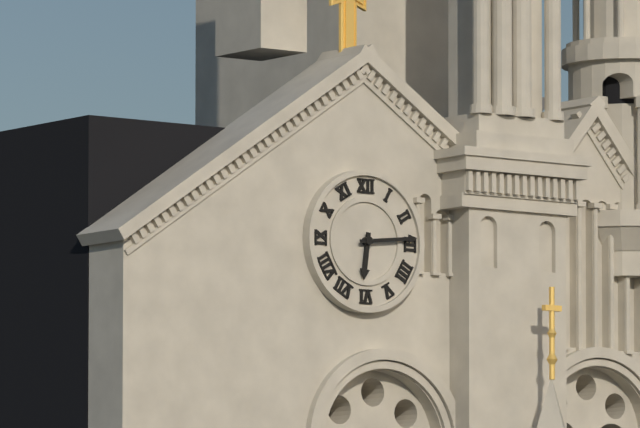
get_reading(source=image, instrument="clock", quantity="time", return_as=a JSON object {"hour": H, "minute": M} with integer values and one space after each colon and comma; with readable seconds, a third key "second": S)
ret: {"hour": 6, "minute": 14}
